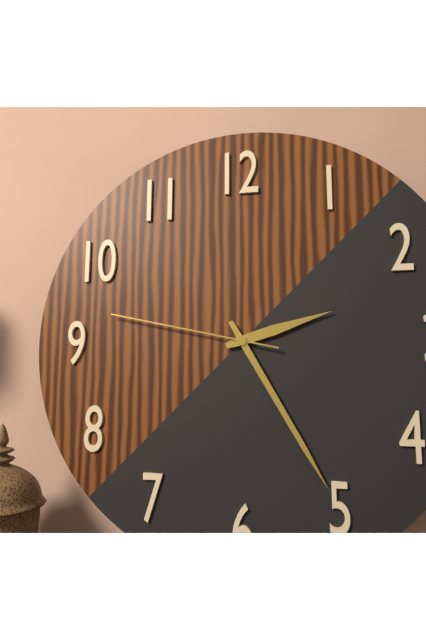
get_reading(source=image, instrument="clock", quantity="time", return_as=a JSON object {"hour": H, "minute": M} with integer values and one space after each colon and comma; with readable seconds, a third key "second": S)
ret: {"hour": 2, "minute": 25, "second": 47}
